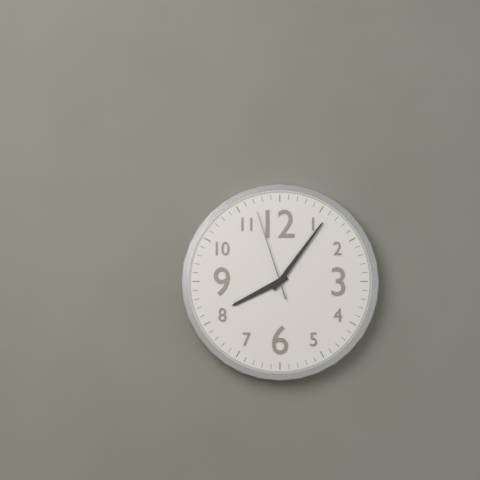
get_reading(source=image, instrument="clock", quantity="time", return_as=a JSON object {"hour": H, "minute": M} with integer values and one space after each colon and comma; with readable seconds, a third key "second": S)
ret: {"hour": 8, "minute": 6, "second": 57}
